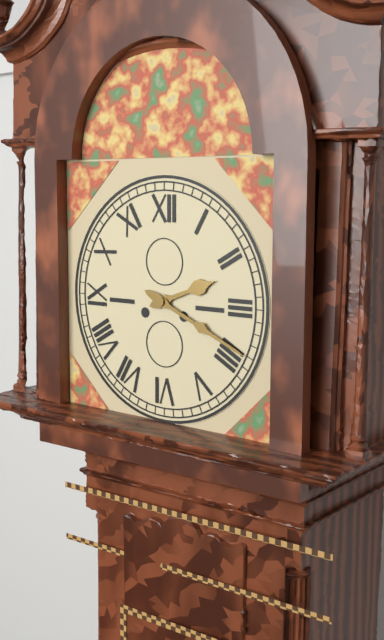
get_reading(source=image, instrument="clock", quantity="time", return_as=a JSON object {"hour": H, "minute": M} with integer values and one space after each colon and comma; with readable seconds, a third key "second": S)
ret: {"hour": 2, "minute": 19}
